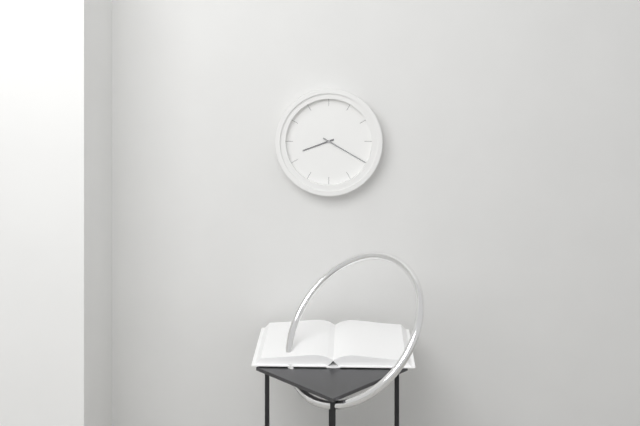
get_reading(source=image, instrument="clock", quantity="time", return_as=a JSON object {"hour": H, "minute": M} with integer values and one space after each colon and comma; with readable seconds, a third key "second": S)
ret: {"hour": 8, "minute": 20}
